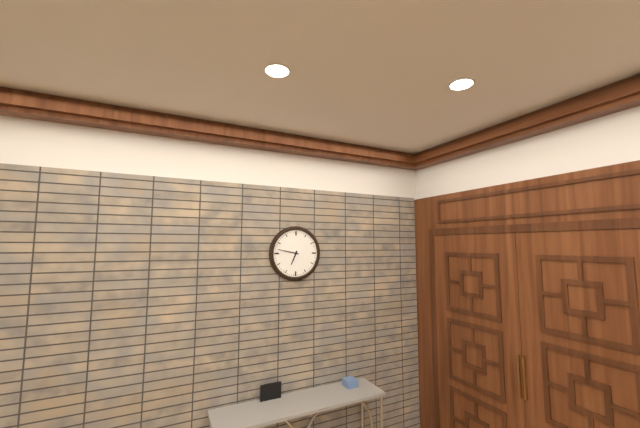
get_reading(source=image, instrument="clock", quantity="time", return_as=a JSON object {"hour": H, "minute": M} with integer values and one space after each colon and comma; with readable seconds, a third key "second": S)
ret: {"hour": 6, "minute": 47}
